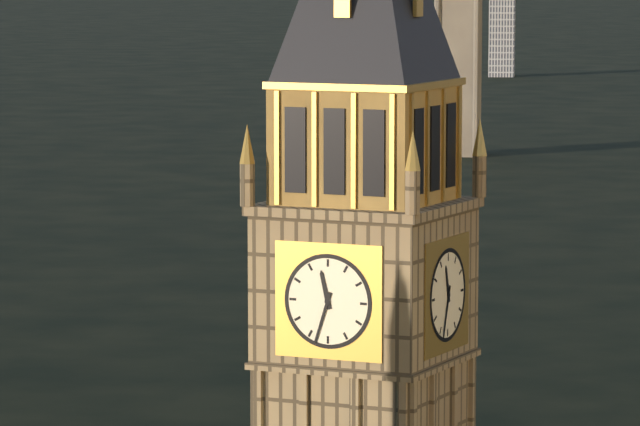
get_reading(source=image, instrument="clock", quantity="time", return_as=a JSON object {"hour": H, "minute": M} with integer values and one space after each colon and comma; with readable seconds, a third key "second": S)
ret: {"hour": 11, "minute": 33}
